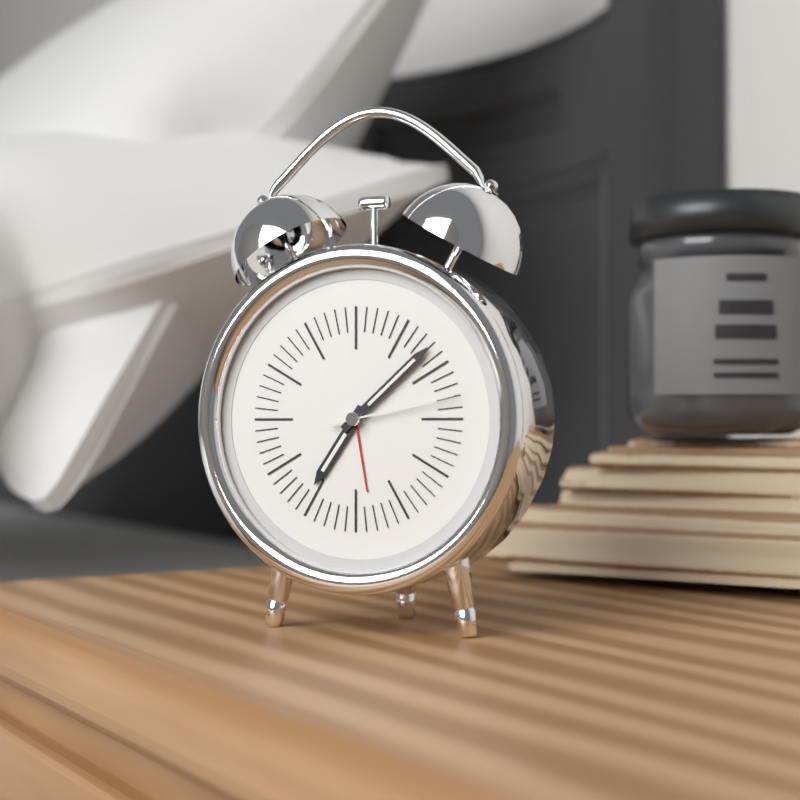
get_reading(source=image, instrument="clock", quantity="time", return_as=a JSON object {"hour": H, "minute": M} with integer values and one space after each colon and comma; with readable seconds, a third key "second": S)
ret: {"hour": 7, "minute": 8, "second": 13}
